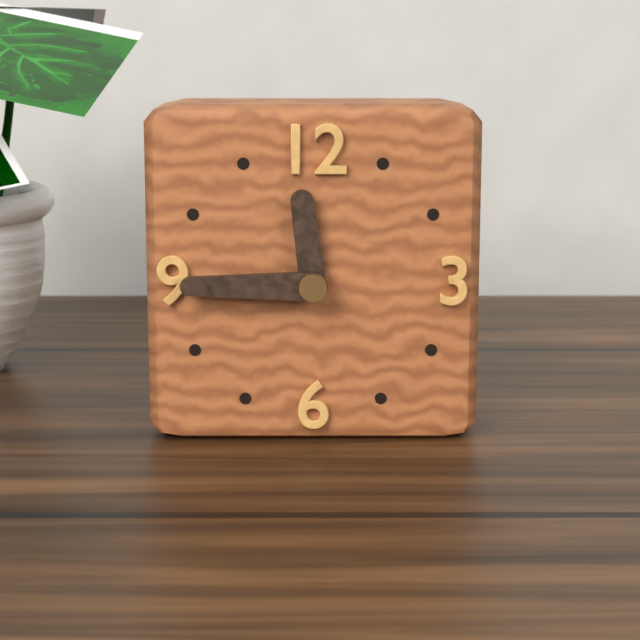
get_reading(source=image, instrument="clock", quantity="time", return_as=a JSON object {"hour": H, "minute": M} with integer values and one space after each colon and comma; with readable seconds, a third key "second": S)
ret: {"hour": 11, "minute": 45}
